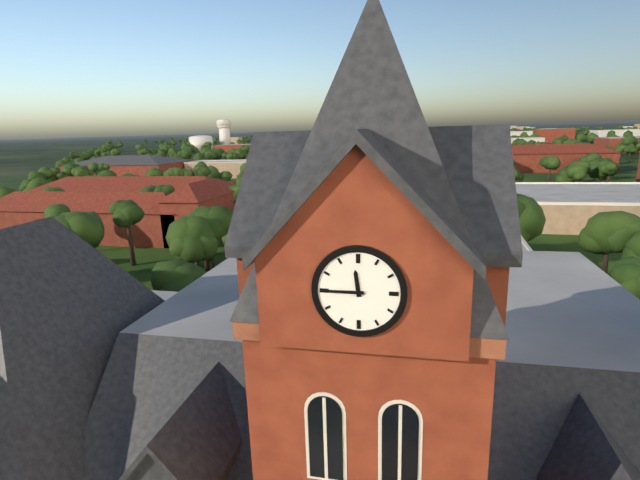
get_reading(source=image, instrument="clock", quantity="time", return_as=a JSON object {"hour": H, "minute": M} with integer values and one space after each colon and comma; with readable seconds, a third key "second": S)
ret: {"hour": 11, "minute": 45}
